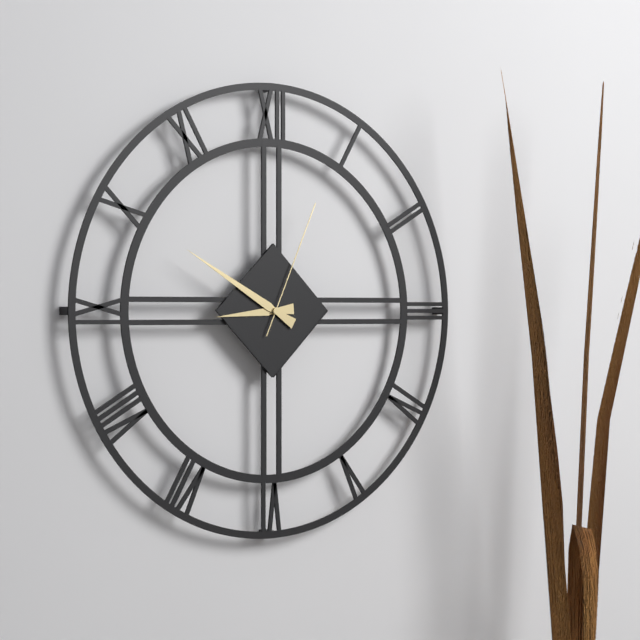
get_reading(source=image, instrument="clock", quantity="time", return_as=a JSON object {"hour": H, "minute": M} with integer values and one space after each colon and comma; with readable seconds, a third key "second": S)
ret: {"hour": 8, "minute": 50, "second": 4}
